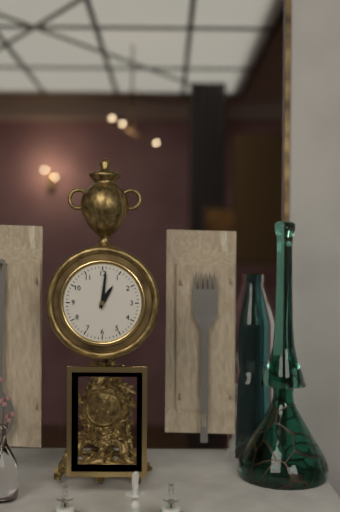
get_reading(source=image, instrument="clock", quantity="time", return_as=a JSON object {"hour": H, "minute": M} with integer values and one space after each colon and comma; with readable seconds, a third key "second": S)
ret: {"hour": 1, "minute": 1}
